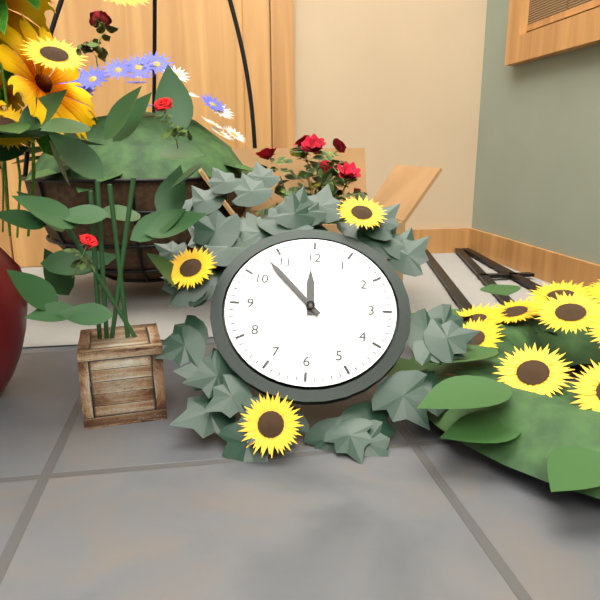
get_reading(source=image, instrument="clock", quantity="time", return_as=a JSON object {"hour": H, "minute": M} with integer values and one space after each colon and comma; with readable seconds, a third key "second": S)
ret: {"hour": 11, "minute": 53}
